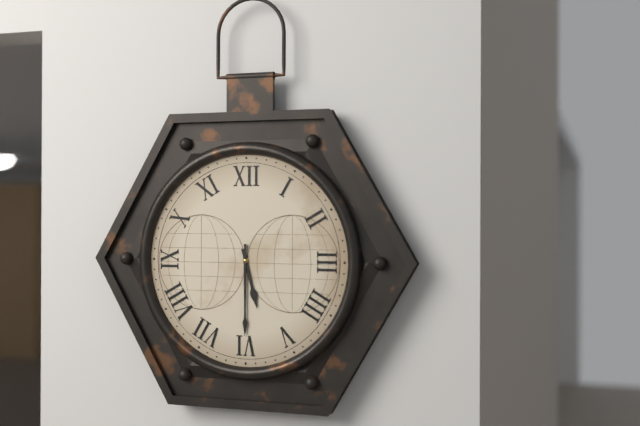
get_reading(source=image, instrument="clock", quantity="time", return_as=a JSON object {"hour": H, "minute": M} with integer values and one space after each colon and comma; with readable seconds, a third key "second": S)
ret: {"hour": 5, "minute": 30}
